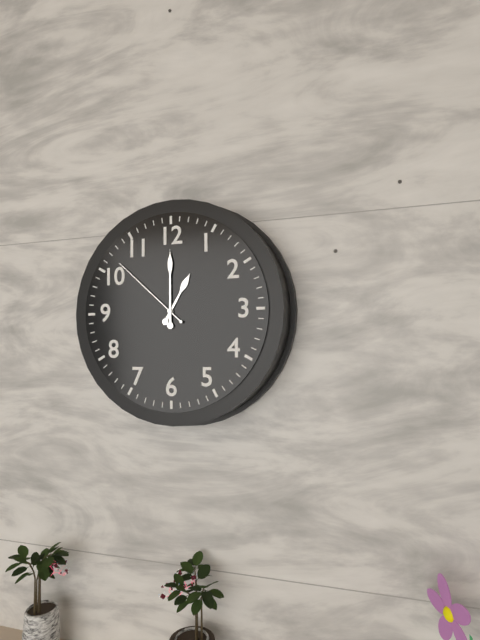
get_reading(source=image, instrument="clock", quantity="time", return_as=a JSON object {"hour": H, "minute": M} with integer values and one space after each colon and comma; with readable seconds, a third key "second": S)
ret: {"hour": 1, "minute": 0, "second": 52}
